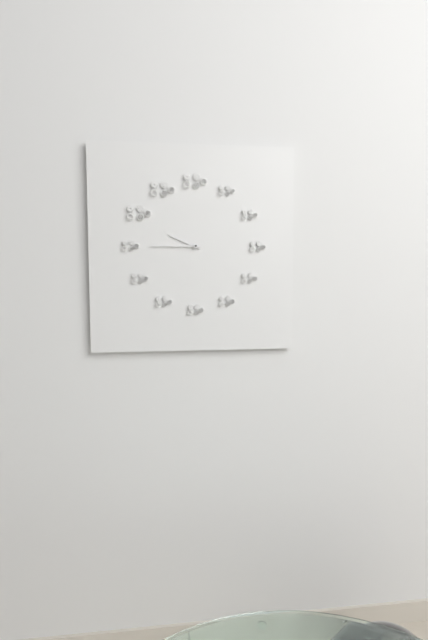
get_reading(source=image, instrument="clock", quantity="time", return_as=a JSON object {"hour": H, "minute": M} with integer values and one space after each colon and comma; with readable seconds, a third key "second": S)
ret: {"hour": 9, "minute": 45}
